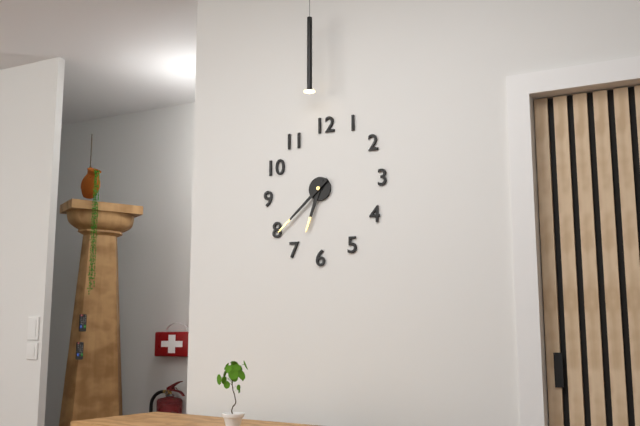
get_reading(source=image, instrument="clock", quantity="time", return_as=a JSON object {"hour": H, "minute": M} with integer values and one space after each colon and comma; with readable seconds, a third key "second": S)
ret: {"hour": 6, "minute": 38}
